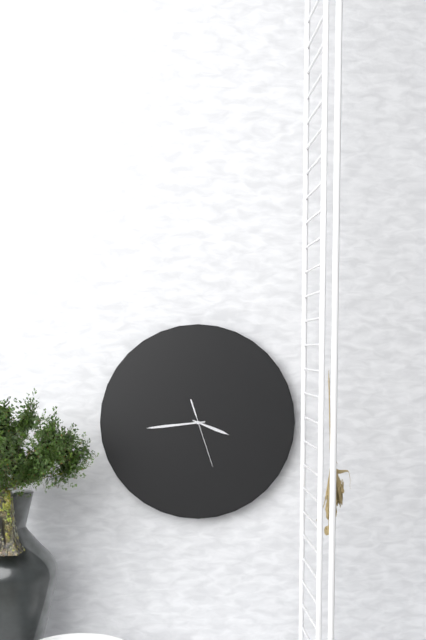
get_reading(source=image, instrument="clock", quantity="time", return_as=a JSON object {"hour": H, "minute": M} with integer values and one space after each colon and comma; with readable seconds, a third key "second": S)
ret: {"hour": 3, "minute": 44, "second": 27}
